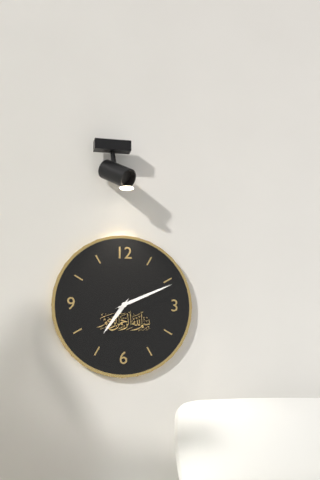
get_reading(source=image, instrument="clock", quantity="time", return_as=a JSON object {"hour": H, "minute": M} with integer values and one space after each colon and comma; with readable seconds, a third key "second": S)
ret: {"hour": 7, "minute": 11}
